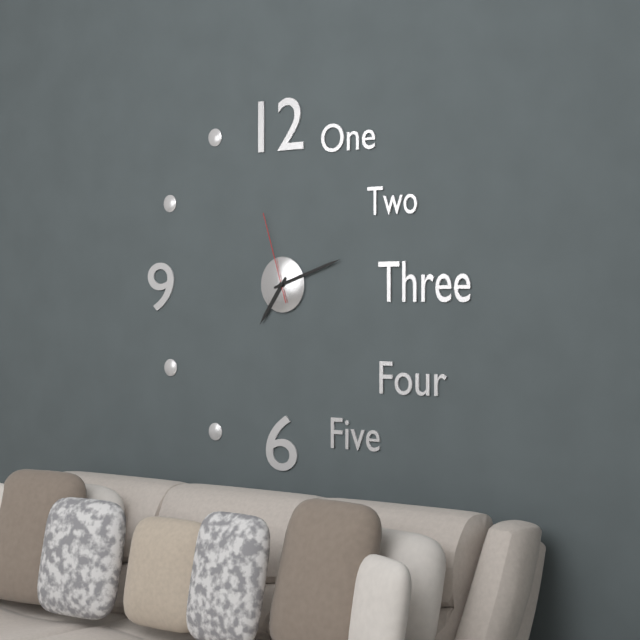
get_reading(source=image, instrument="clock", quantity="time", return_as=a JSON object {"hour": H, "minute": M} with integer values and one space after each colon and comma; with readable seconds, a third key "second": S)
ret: {"hour": 7, "minute": 12, "second": 57}
